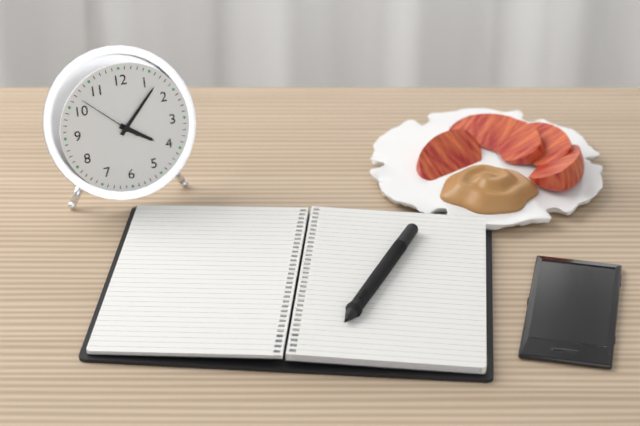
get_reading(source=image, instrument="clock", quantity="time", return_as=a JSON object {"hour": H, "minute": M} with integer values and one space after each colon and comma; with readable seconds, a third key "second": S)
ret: {"hour": 4, "minute": 7, "second": 52}
